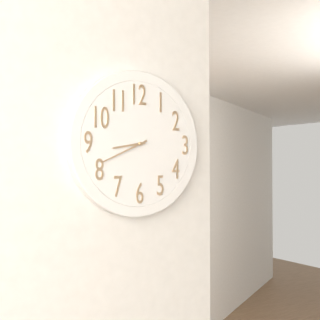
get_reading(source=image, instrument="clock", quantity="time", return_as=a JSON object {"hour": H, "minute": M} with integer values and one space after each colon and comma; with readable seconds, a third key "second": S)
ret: {"hour": 8, "minute": 41}
